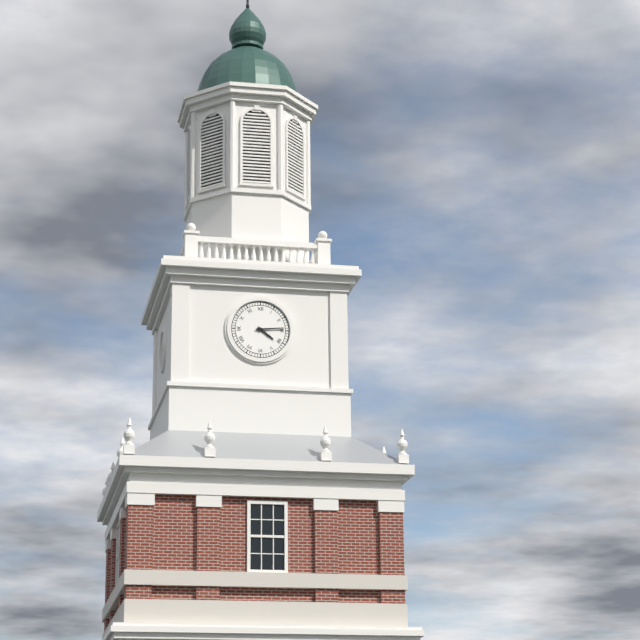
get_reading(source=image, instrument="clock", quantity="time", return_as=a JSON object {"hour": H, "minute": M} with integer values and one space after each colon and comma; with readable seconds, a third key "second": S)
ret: {"hour": 4, "minute": 14}
